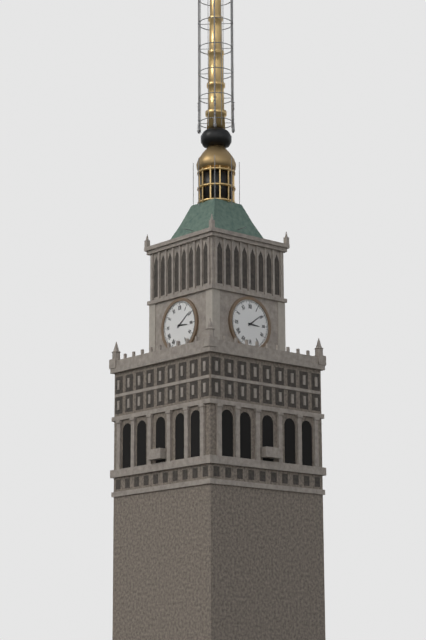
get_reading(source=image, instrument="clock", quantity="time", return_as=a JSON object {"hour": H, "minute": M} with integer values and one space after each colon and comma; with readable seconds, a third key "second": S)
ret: {"hour": 3, "minute": 9}
